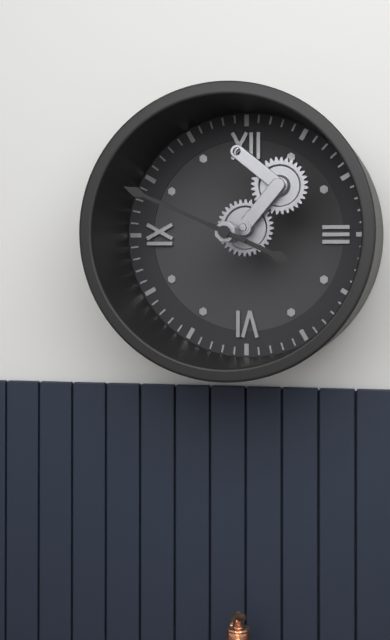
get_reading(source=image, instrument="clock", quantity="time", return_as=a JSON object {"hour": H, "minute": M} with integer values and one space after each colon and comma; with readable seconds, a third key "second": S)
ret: {"hour": 3, "minute": 49}
